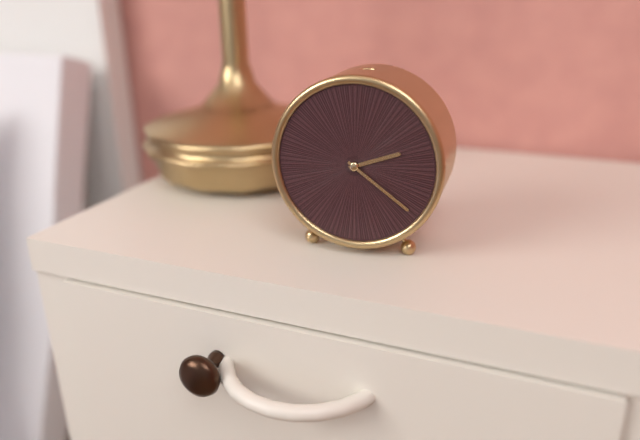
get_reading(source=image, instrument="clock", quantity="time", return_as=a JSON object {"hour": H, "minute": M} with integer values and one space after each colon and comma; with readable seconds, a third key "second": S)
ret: {"hour": 2, "minute": 21}
